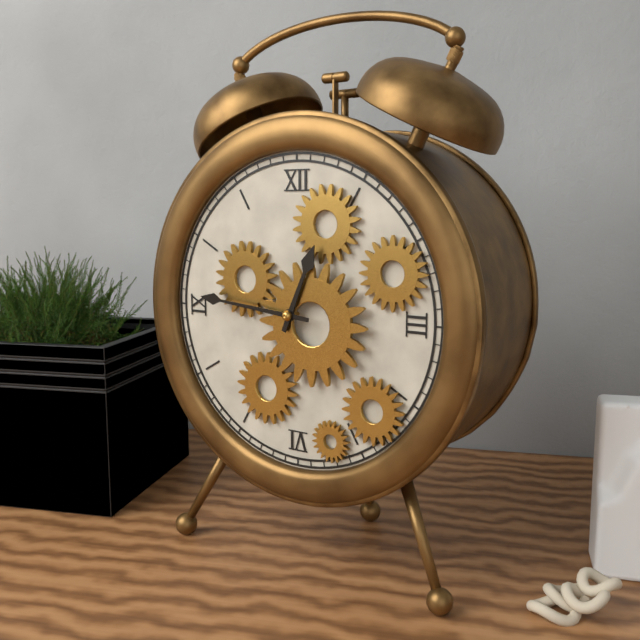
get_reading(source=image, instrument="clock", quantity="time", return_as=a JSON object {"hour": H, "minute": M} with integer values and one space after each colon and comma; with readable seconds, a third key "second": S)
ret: {"hour": 12, "minute": 46}
